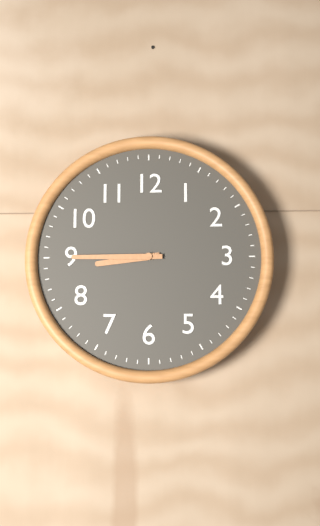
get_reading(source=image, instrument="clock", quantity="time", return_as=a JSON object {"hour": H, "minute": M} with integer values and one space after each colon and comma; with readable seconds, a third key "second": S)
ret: {"hour": 8, "minute": 45}
